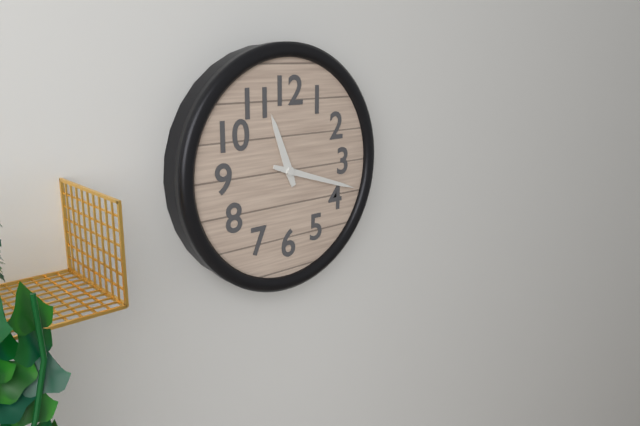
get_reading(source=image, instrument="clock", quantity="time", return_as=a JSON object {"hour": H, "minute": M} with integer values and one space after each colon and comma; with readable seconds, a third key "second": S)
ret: {"hour": 11, "minute": 18}
